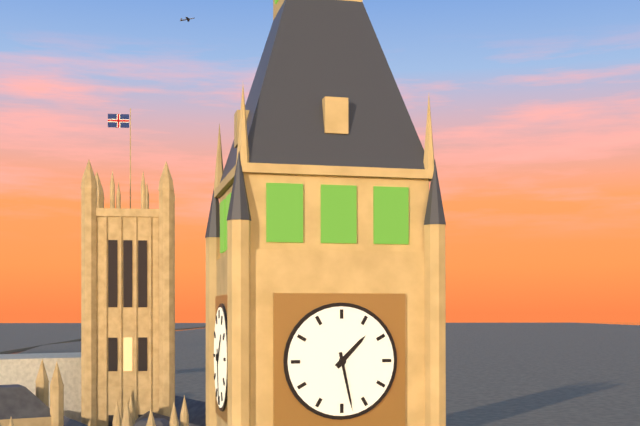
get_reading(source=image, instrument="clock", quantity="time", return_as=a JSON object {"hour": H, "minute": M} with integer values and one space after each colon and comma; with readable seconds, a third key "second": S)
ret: {"hour": 1, "minute": 28}
